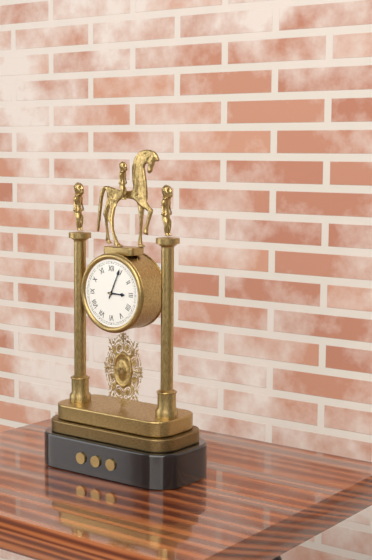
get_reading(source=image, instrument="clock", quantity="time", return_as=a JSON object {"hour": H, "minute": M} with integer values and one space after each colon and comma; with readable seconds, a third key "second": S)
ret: {"hour": 3, "minute": 4}
